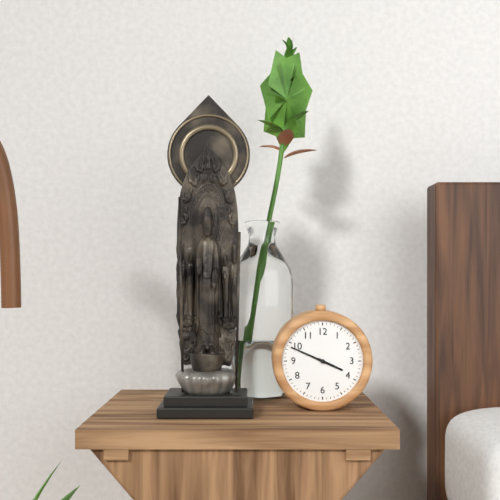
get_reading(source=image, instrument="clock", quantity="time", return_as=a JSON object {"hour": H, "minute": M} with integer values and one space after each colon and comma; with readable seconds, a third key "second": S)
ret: {"hour": 3, "minute": 49}
